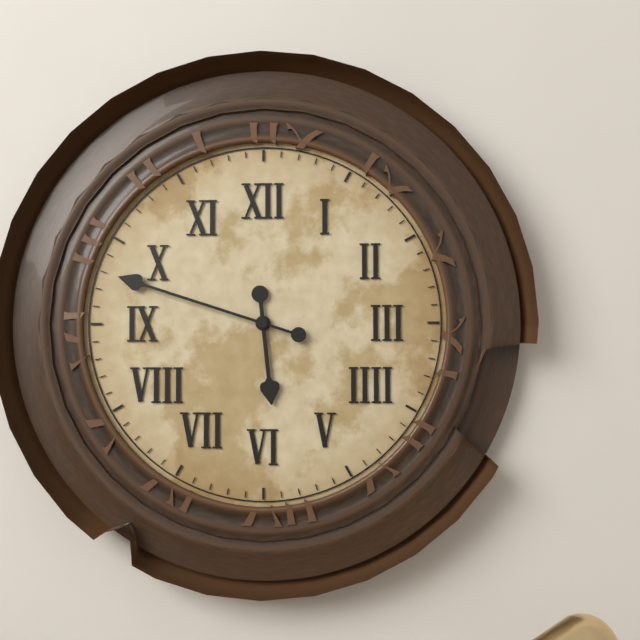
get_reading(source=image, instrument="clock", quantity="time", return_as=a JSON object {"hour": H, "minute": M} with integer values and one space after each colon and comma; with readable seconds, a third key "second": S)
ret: {"hour": 5, "minute": 48}
